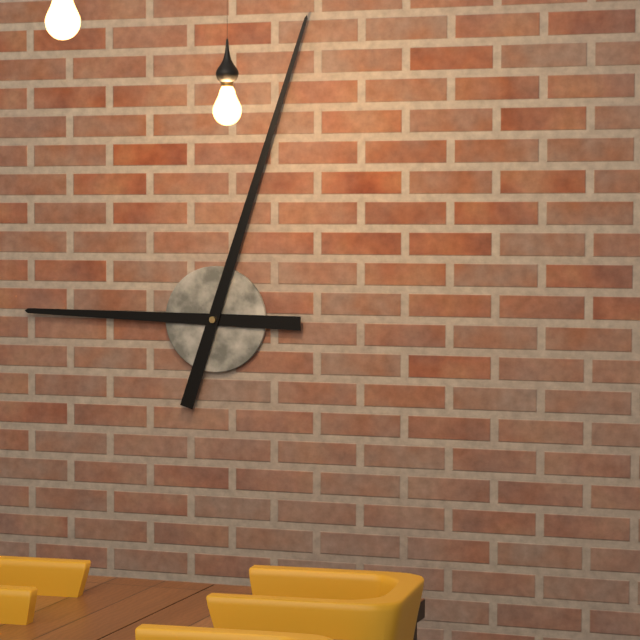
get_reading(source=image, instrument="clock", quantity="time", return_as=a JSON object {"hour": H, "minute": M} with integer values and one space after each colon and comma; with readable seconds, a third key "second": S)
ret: {"hour": 9, "minute": 3}
